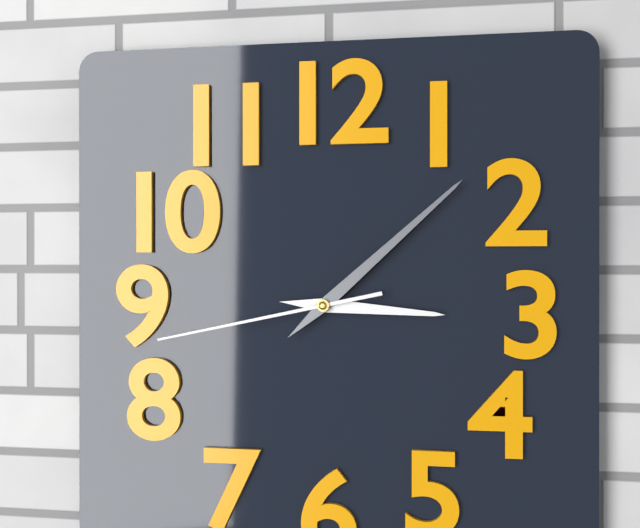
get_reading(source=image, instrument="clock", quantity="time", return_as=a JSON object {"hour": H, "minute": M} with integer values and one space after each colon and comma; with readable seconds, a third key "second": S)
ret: {"hour": 3, "minute": 8, "second": 43}
